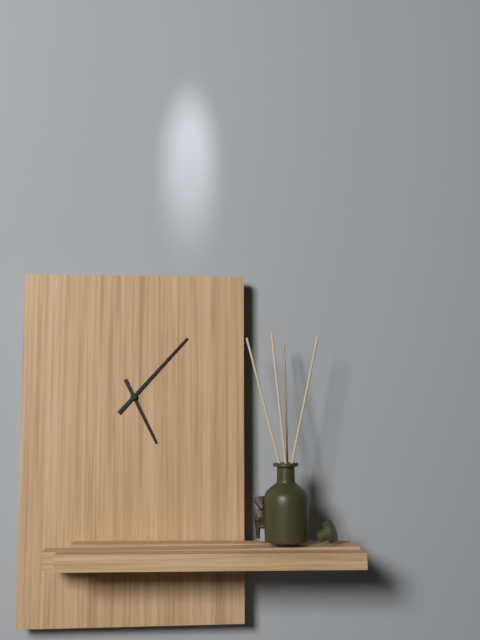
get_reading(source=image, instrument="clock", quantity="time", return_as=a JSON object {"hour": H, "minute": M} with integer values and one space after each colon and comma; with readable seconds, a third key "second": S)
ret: {"hour": 5, "minute": 7}
